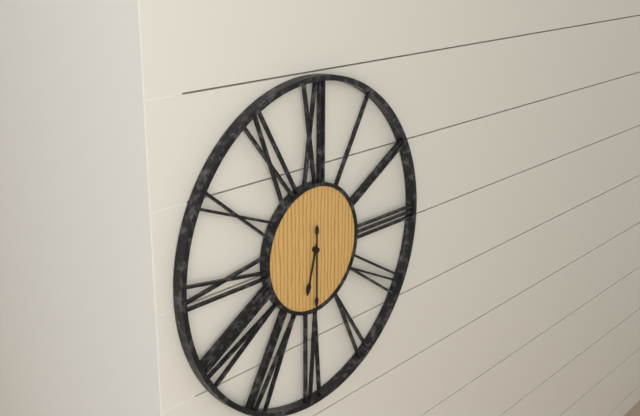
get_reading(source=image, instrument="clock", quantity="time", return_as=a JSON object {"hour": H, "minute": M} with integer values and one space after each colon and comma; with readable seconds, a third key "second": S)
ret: {"hour": 6, "minute": 30}
